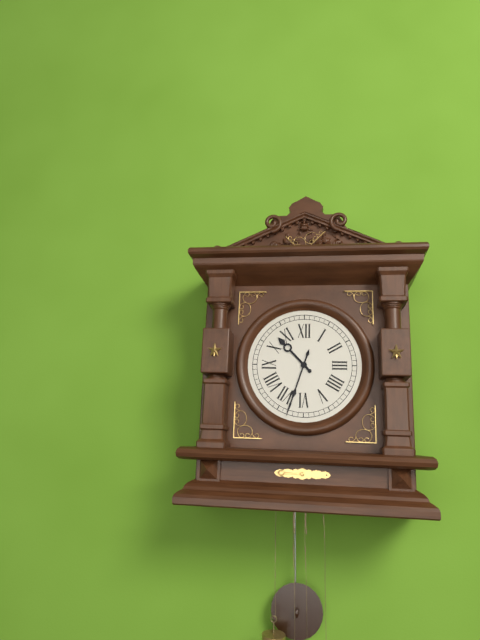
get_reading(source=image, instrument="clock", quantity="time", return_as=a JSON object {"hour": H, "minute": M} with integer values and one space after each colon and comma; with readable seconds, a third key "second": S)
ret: {"hour": 10, "minute": 33}
